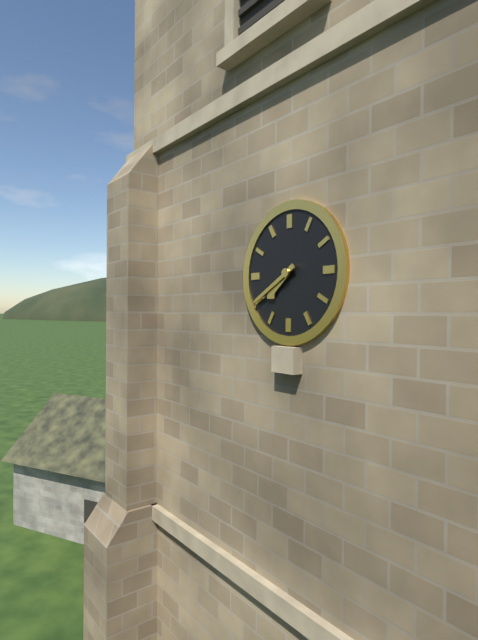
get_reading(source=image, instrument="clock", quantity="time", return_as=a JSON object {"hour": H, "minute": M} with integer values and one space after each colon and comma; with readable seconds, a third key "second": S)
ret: {"hour": 7, "minute": 40}
